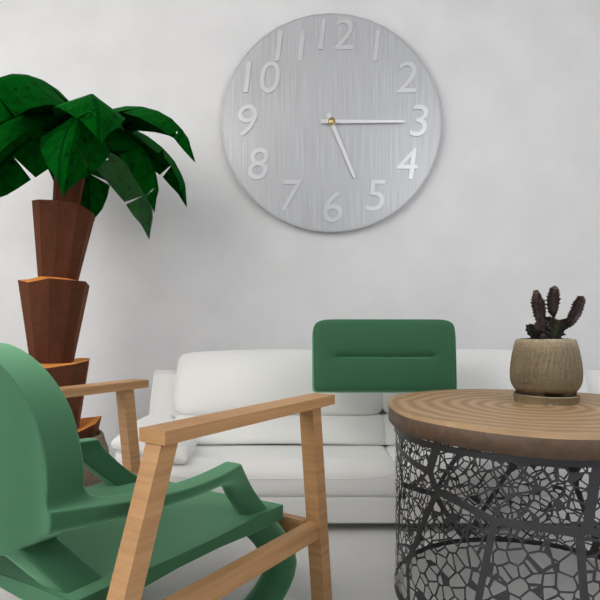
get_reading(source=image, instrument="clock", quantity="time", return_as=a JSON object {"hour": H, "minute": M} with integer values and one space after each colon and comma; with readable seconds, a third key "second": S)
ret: {"hour": 5, "minute": 15}
